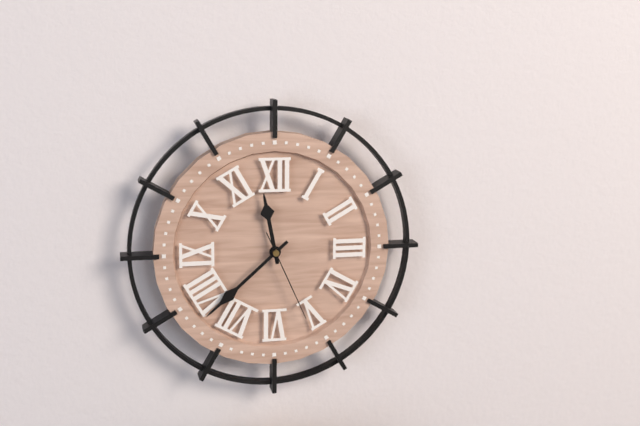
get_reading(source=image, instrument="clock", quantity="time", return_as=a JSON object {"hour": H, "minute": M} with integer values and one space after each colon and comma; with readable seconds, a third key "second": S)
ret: {"hour": 11, "minute": 38, "second": 26}
